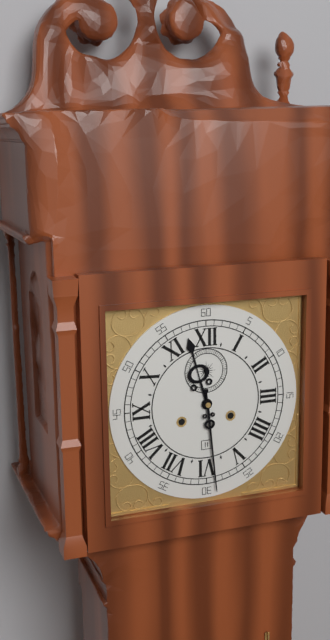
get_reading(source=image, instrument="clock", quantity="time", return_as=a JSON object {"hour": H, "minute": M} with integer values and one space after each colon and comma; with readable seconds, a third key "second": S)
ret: {"hour": 11, "minute": 29}
